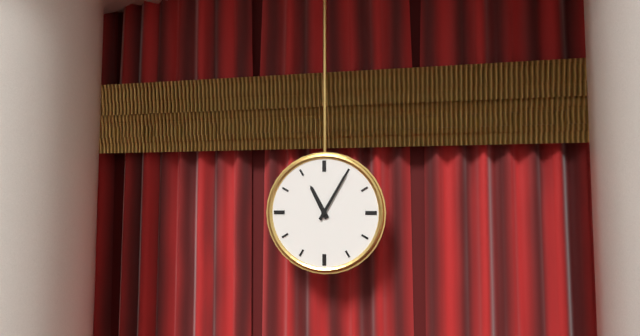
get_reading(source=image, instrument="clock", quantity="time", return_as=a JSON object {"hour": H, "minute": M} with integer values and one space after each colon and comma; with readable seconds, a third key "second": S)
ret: {"hour": 11, "minute": 5}
